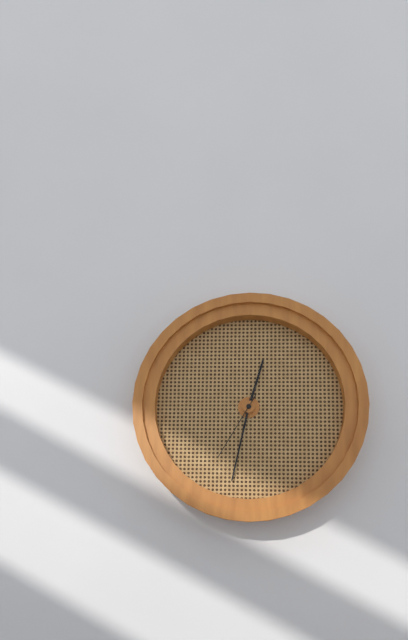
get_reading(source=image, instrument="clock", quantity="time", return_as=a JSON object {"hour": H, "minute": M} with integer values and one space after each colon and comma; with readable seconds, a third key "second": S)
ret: {"hour": 12, "minute": 32, "second": 35}
